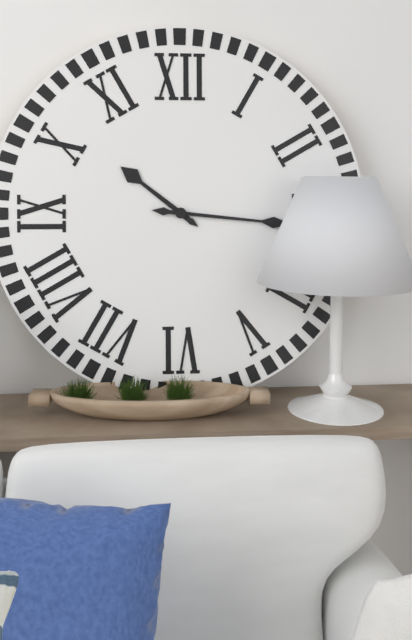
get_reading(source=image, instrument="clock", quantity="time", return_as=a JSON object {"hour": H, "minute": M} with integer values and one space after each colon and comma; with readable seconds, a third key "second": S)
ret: {"hour": 10, "minute": 16}
